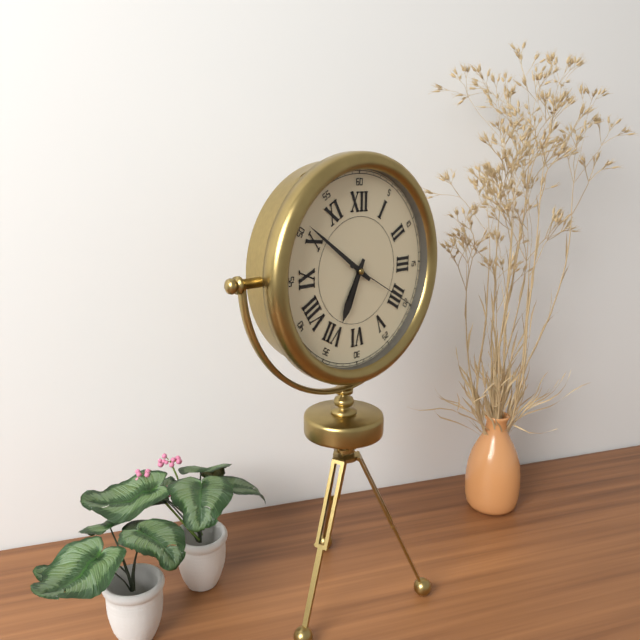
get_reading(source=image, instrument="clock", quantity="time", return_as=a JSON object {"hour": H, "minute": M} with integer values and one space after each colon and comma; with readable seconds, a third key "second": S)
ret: {"hour": 6, "minute": 51, "second": 20}
